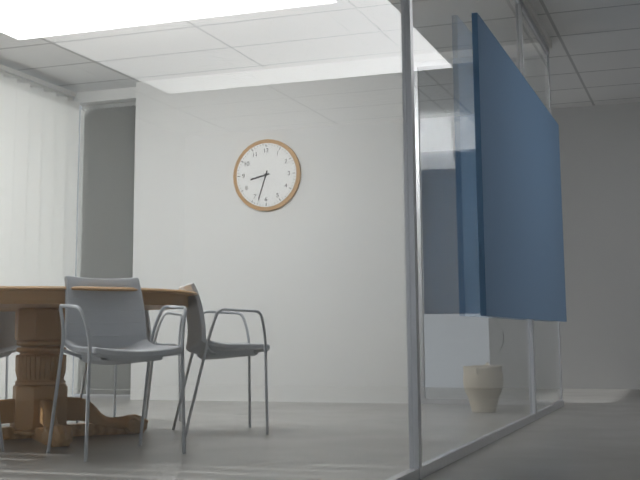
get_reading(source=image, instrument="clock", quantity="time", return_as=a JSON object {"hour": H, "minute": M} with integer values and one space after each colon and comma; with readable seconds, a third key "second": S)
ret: {"hour": 8, "minute": 33}
